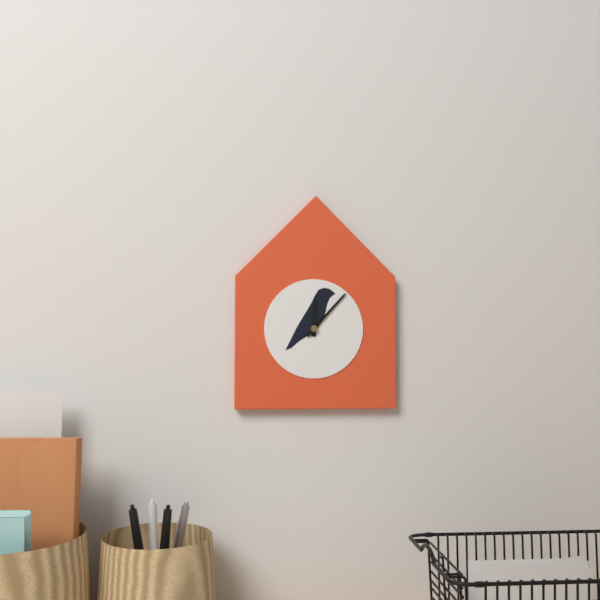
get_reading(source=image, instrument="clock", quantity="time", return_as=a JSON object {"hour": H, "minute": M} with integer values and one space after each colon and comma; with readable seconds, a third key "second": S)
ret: {"hour": 12, "minute": 7}
